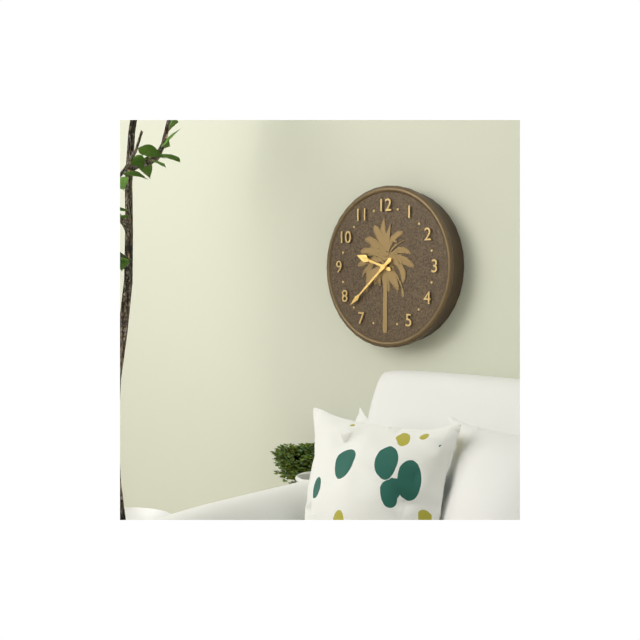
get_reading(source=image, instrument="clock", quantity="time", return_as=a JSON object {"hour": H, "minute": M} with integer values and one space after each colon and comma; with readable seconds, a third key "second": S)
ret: {"hour": 9, "minute": 38}
